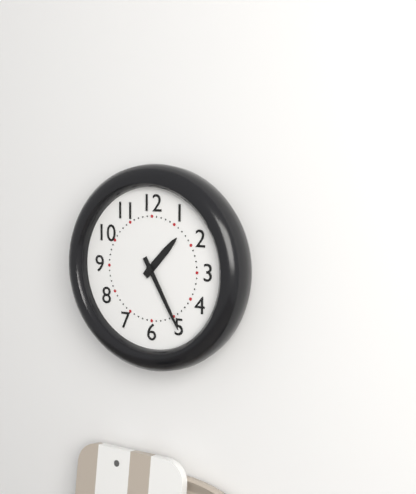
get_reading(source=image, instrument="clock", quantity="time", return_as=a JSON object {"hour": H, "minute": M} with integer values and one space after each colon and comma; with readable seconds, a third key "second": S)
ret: {"hour": 1, "minute": 25}
